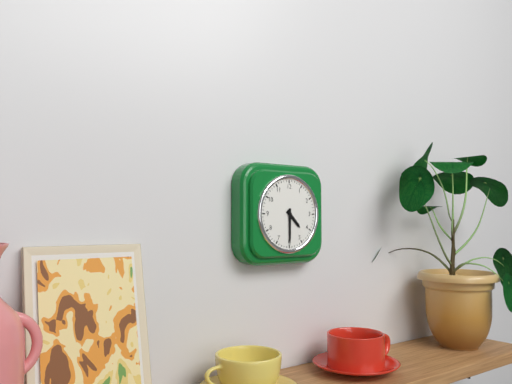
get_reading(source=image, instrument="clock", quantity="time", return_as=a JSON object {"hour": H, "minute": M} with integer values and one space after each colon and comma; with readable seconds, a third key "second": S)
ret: {"hour": 4, "minute": 30}
